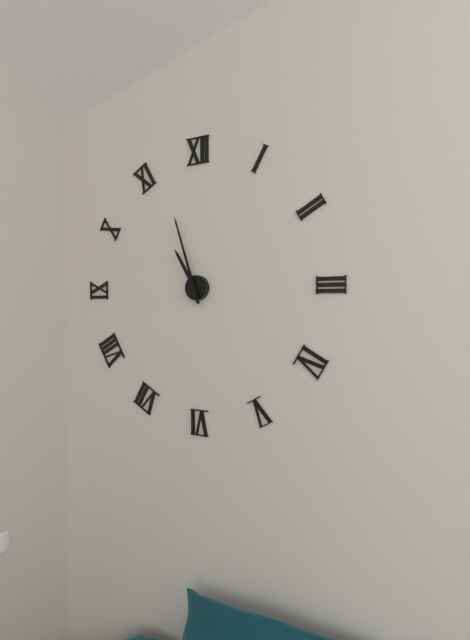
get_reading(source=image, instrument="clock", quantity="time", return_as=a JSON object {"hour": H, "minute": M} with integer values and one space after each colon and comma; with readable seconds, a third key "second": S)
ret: {"hour": 10, "minute": 57}
